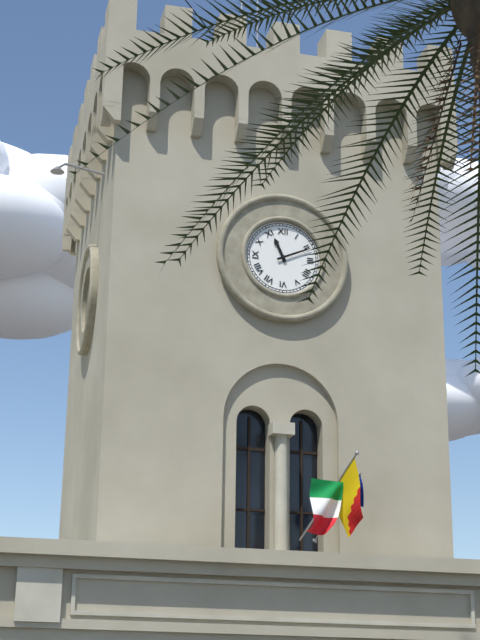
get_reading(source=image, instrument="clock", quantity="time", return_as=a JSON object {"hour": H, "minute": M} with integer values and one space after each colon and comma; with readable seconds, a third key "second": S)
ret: {"hour": 11, "minute": 11}
